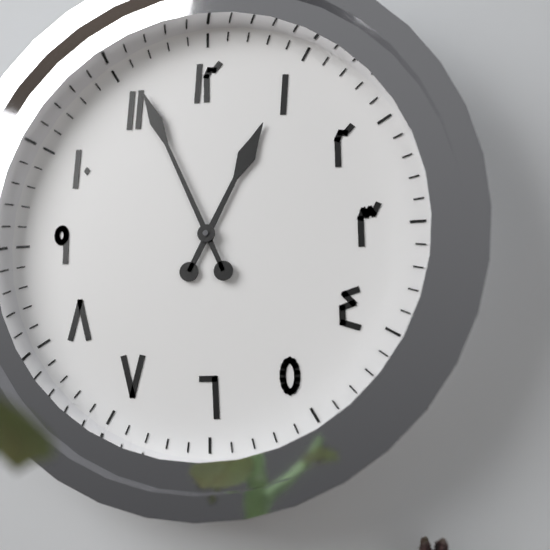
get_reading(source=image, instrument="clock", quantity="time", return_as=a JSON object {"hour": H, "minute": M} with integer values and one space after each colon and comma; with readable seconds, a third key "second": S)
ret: {"hour": 12, "minute": 56}
